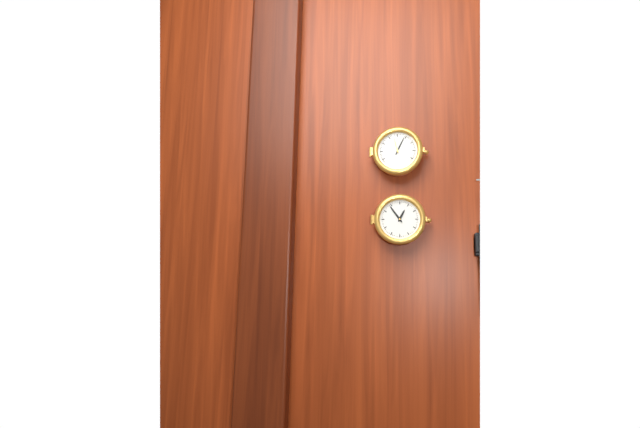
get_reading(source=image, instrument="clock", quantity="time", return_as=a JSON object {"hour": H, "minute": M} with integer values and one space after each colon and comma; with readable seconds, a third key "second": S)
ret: {"hour": 12, "minute": 54}
